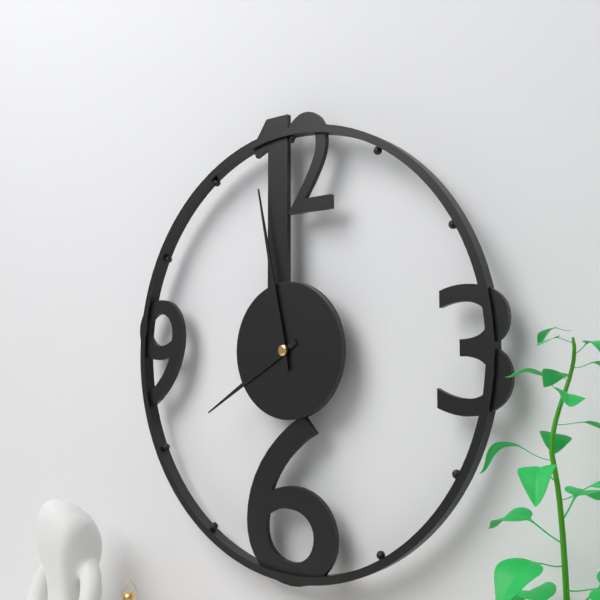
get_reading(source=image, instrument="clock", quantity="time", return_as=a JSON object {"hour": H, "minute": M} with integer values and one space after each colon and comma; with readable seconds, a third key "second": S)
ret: {"hour": 7, "minute": 58}
